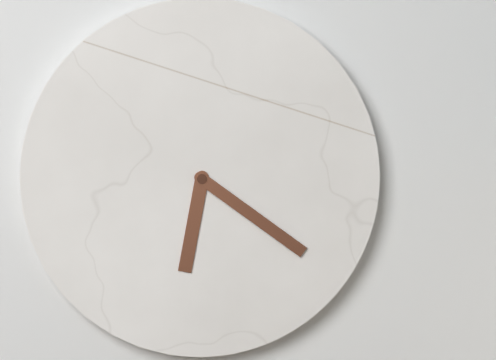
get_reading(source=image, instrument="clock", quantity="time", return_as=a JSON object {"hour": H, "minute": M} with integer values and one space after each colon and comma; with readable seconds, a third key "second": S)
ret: {"hour": 6, "minute": 21}
